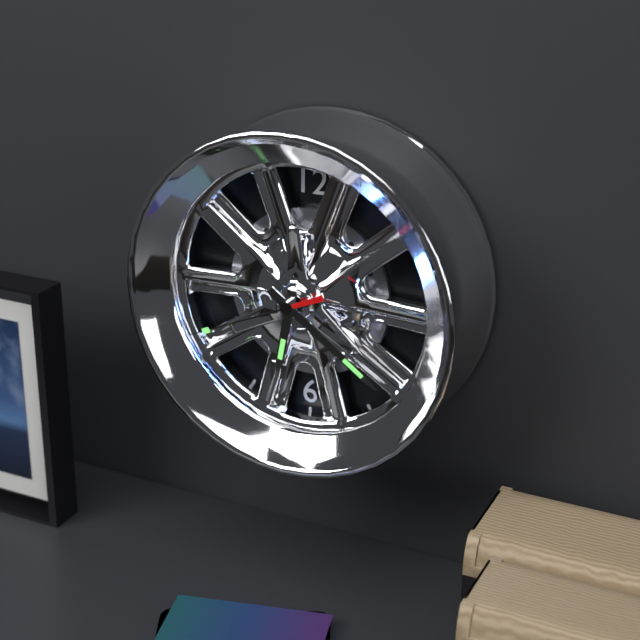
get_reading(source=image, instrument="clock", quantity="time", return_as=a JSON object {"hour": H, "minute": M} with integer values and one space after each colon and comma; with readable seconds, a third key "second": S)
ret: {"hour": 6, "minute": 21, "second": 41}
